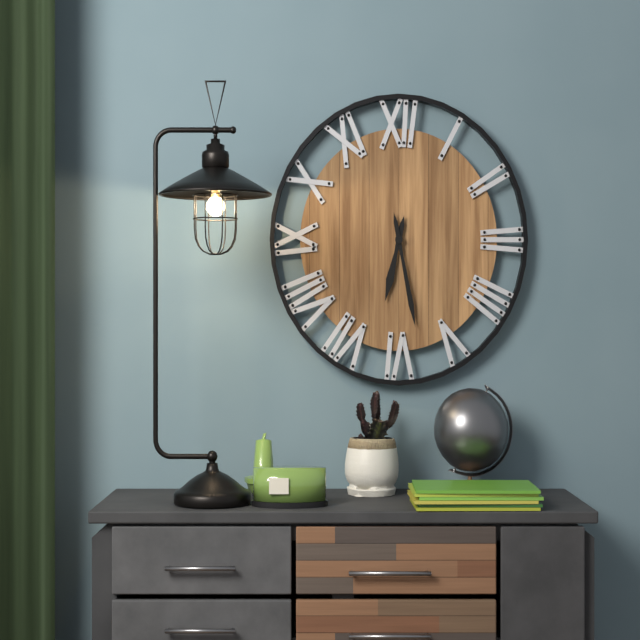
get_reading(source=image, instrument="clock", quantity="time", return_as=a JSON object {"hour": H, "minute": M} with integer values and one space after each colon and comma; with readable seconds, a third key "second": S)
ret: {"hour": 6, "minute": 28}
